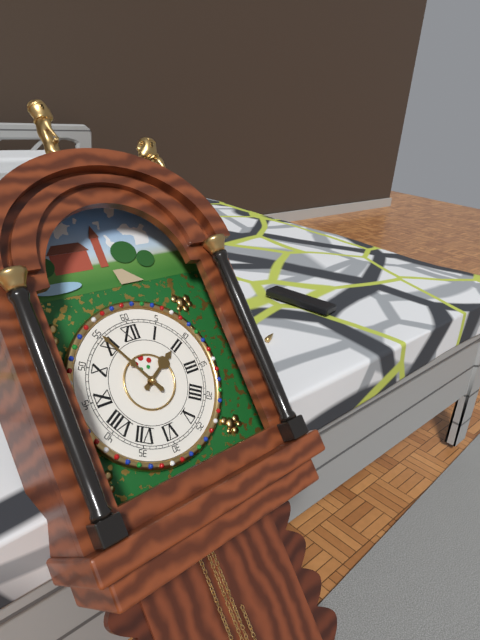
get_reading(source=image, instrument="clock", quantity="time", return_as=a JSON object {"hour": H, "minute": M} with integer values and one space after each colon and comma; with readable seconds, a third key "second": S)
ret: {"hour": 1, "minute": 55}
